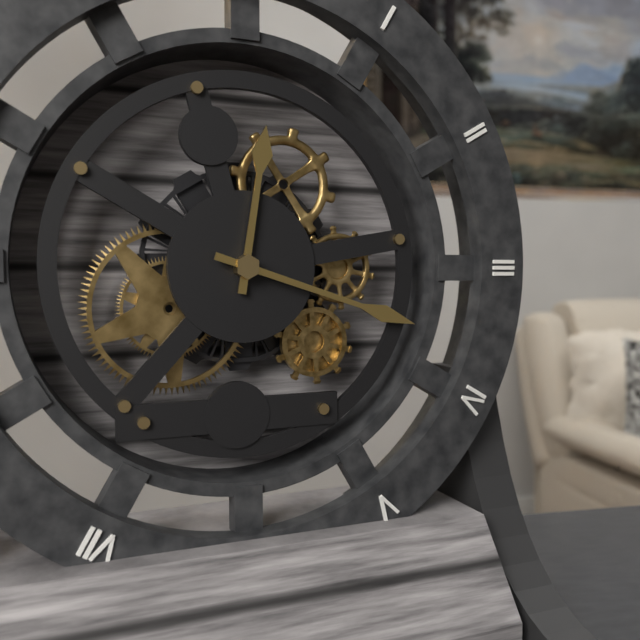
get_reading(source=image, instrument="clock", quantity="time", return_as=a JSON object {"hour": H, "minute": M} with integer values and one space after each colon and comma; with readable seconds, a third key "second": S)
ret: {"hour": 12, "minute": 18}
